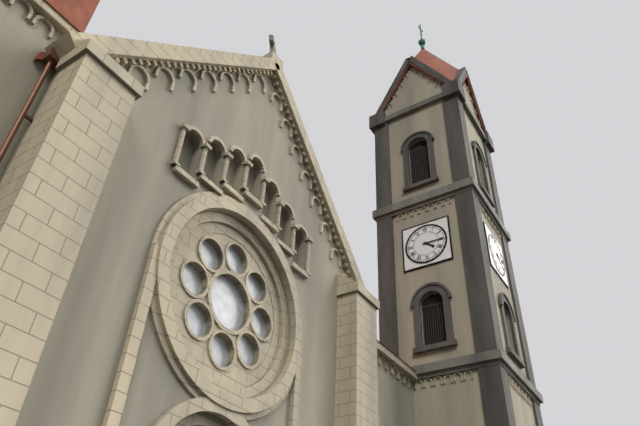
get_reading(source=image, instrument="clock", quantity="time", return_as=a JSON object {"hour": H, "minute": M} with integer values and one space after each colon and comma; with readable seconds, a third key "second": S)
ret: {"hour": 4, "minute": 15}
